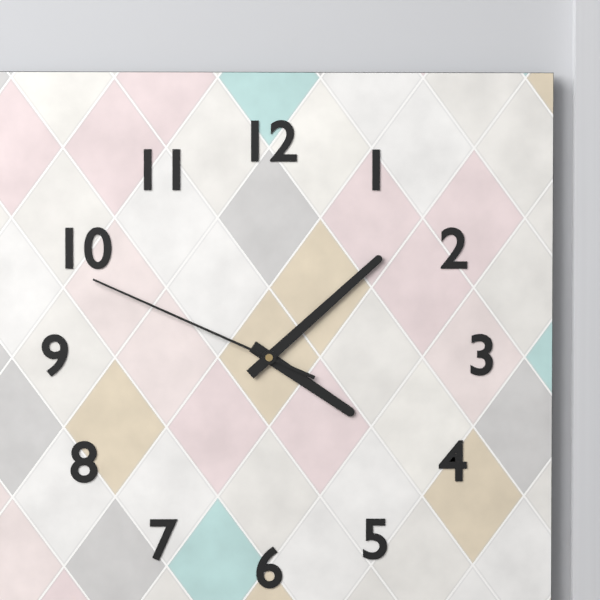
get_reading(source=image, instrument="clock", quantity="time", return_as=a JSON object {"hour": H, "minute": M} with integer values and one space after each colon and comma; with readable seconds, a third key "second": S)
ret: {"hour": 4, "minute": 8, "second": 49}
